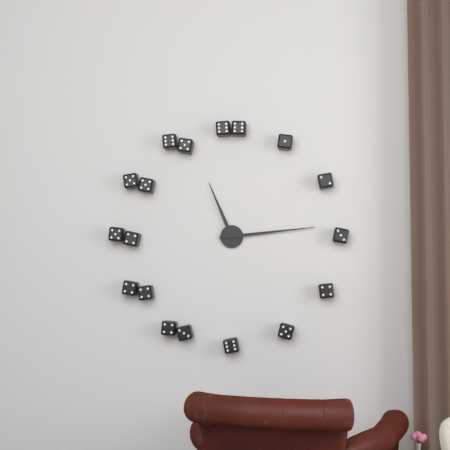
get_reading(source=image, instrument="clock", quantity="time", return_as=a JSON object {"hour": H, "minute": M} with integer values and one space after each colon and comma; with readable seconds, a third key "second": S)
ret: {"hour": 11, "minute": 14}
